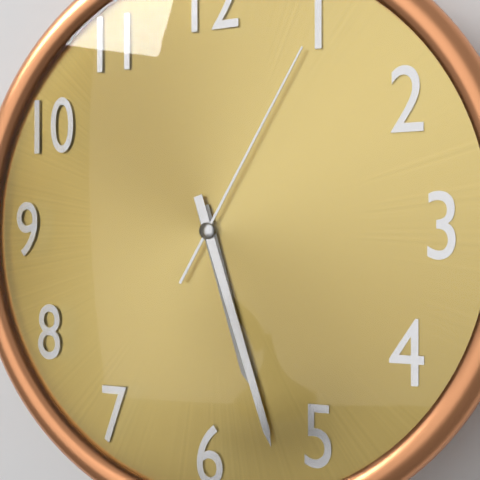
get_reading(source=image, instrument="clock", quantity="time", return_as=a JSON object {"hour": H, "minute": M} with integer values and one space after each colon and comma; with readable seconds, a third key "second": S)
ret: {"hour": 5, "minute": 27, "second": 5}
